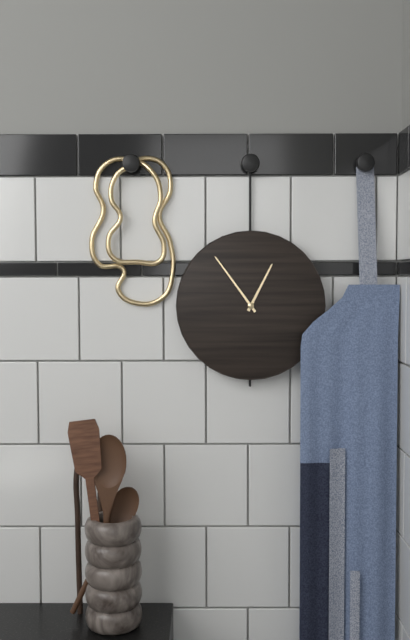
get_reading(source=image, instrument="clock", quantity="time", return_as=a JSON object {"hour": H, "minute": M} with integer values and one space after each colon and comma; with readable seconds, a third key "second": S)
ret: {"hour": 12, "minute": 54}
